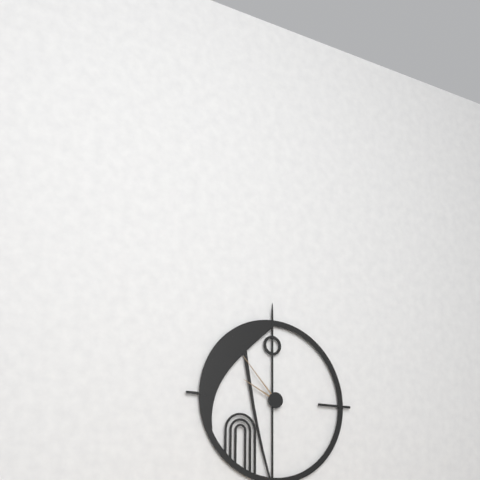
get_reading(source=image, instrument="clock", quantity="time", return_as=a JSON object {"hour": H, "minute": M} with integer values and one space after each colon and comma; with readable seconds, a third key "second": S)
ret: {"hour": 9, "minute": 53}
